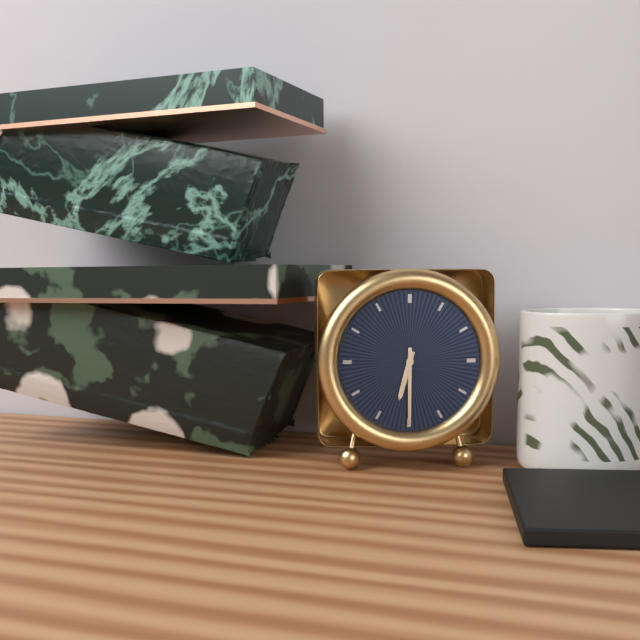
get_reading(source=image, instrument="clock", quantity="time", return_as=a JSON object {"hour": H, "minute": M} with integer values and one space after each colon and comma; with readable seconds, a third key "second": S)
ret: {"hour": 6, "minute": 30}
